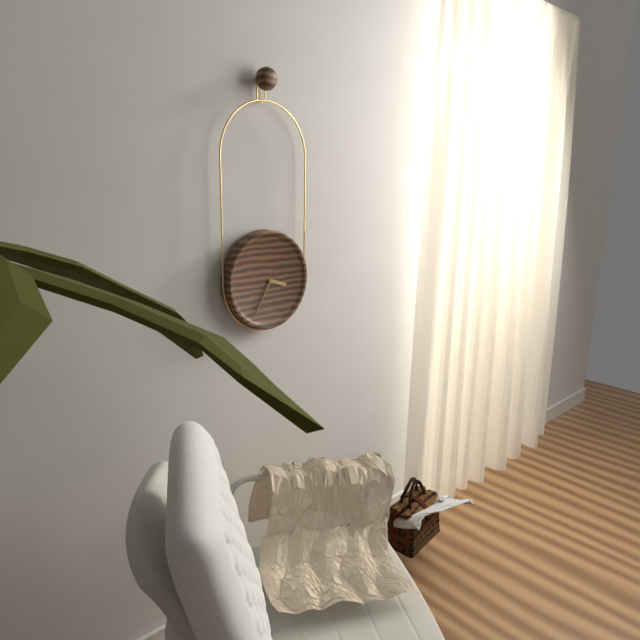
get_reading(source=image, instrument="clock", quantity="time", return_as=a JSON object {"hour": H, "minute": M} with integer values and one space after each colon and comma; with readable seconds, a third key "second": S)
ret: {"hour": 3, "minute": 35}
